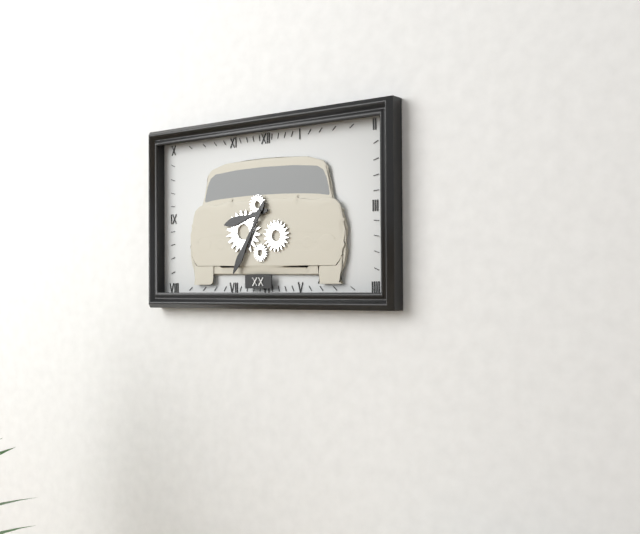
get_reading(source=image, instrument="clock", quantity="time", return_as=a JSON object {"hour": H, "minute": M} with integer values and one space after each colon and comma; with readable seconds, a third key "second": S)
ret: {"hour": 8, "minute": 35}
